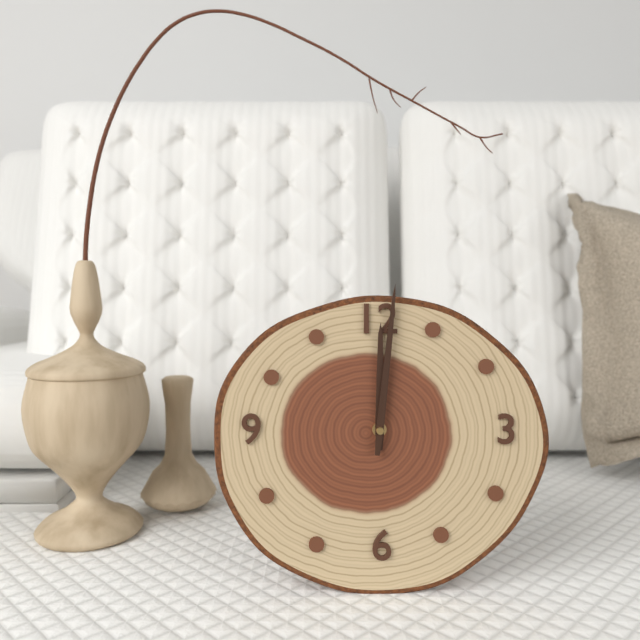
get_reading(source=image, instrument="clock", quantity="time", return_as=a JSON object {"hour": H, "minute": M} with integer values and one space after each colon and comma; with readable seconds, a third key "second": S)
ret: {"hour": 12, "minute": 1}
